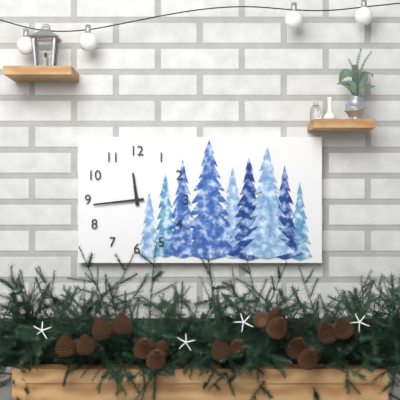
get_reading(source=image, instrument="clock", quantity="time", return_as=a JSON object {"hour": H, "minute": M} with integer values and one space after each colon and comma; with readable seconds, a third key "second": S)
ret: {"hour": 11, "minute": 44}
